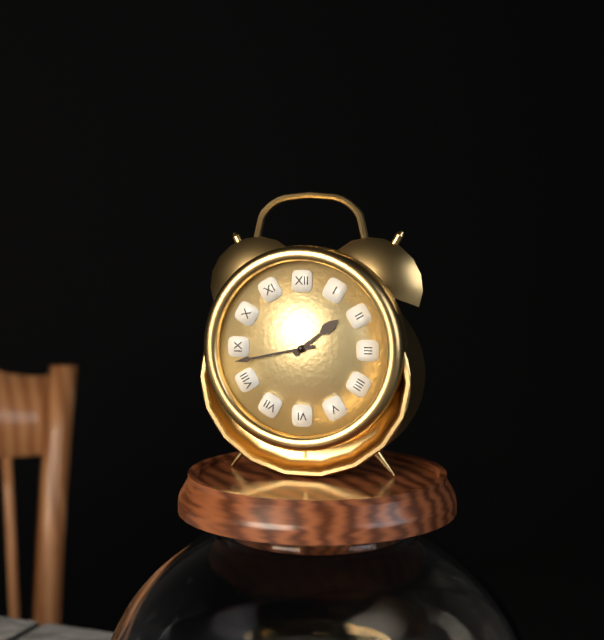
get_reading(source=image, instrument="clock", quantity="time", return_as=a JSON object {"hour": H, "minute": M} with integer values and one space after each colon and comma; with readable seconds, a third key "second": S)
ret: {"hour": 1, "minute": 43}
